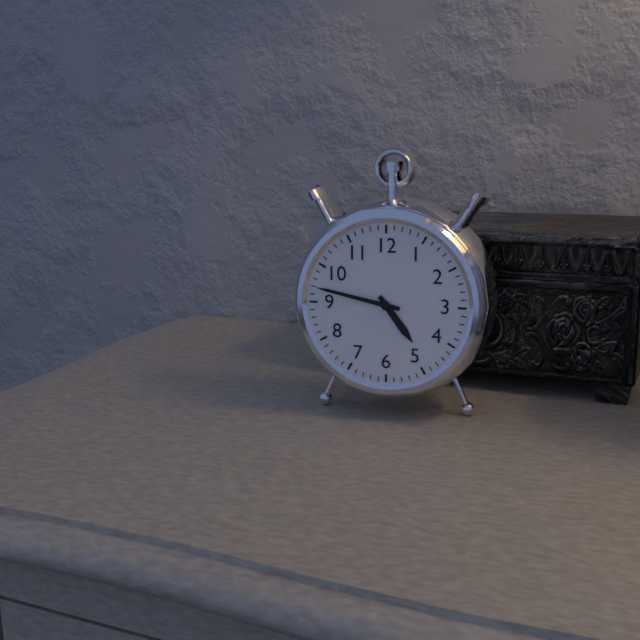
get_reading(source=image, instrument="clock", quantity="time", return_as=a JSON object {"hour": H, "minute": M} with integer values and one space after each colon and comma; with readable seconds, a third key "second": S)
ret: {"hour": 4, "minute": 47}
